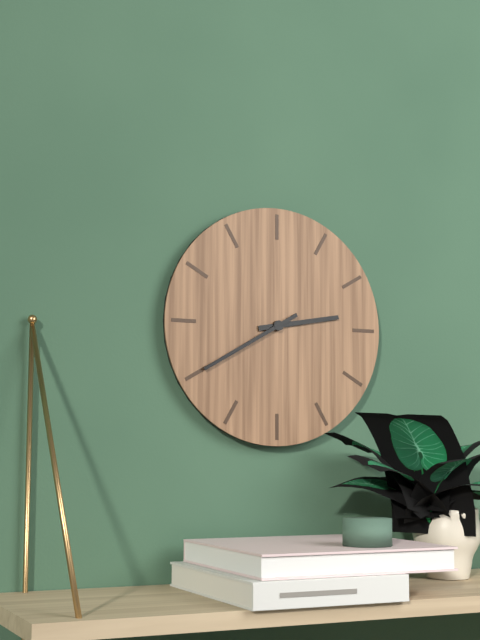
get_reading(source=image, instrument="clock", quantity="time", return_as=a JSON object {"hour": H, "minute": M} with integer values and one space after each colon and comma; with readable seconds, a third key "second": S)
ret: {"hour": 2, "minute": 40}
